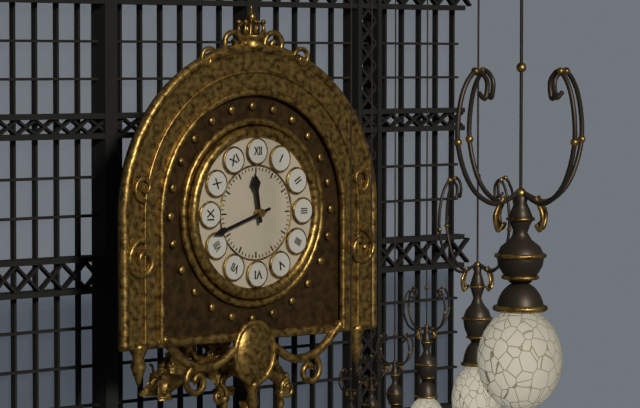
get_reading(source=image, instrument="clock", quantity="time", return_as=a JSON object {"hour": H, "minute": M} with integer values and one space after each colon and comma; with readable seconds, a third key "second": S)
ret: {"hour": 11, "minute": 42}
